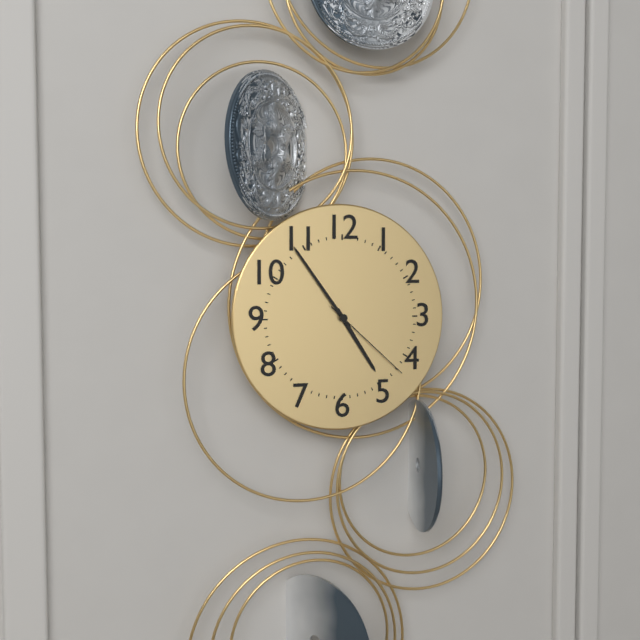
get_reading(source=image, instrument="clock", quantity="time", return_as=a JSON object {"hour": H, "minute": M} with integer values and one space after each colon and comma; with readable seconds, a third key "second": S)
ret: {"hour": 4, "minute": 54, "second": 22}
